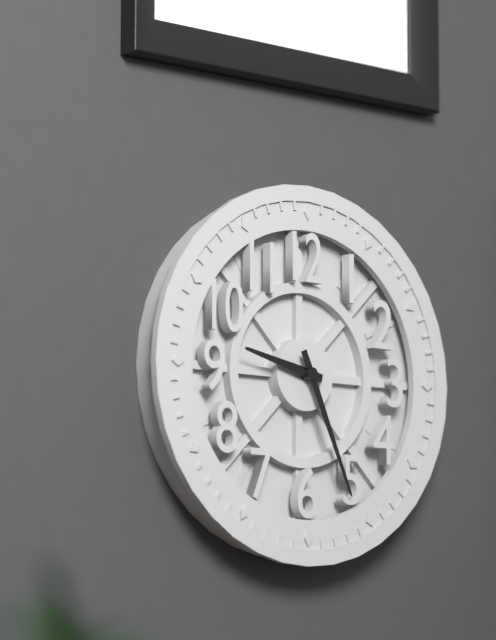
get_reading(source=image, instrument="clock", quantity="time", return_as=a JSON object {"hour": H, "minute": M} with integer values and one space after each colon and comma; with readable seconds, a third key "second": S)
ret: {"hour": 9, "minute": 26}
